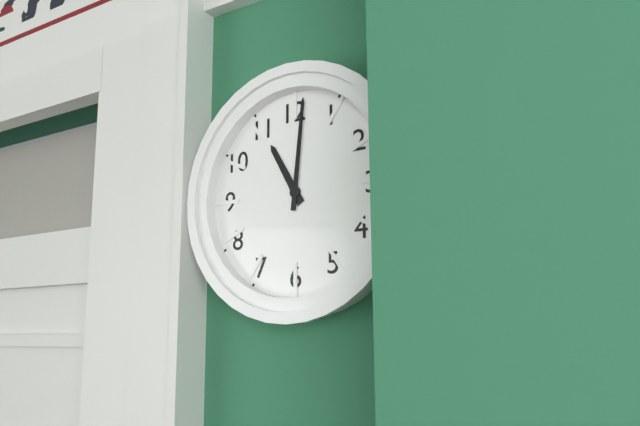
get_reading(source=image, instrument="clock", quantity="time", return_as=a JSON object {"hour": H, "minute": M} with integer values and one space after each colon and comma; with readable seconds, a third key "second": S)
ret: {"hour": 11, "minute": 1}
